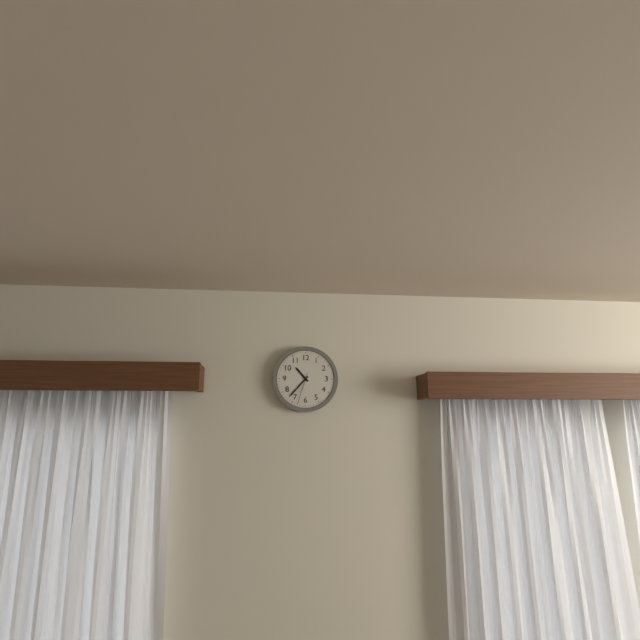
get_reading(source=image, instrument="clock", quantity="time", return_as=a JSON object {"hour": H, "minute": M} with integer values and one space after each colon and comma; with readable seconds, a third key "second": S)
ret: {"hour": 10, "minute": 37}
